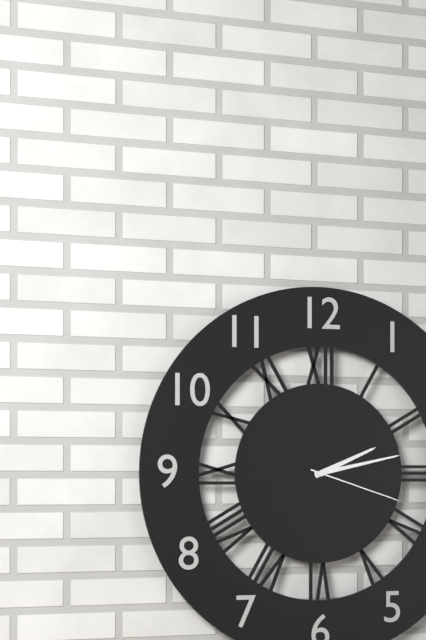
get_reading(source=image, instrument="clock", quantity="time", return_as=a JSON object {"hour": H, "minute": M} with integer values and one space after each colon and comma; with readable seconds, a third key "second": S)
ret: {"hour": 2, "minute": 13, "second": 18}
